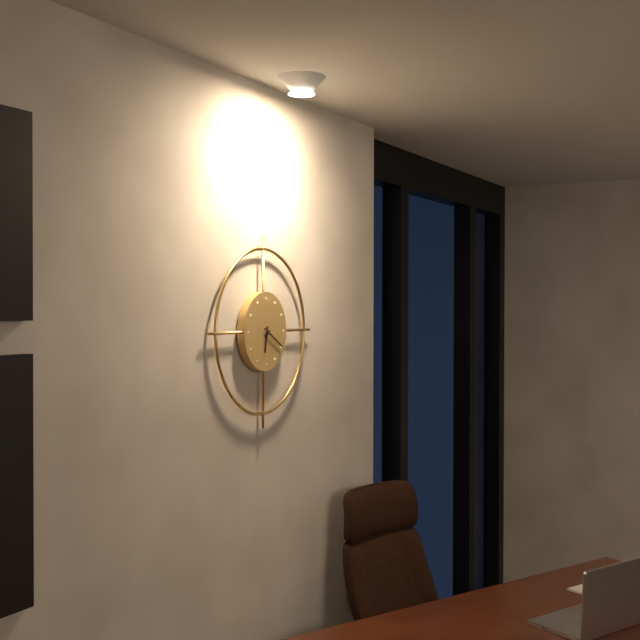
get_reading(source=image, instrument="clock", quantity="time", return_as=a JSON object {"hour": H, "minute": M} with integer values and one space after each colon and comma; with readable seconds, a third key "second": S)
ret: {"hour": 6, "minute": 20}
